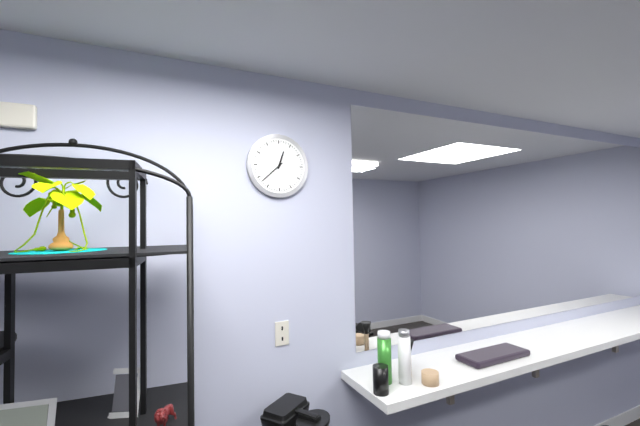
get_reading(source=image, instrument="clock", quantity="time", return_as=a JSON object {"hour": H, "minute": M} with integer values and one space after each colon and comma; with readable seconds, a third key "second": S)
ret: {"hour": 12, "minute": 38}
